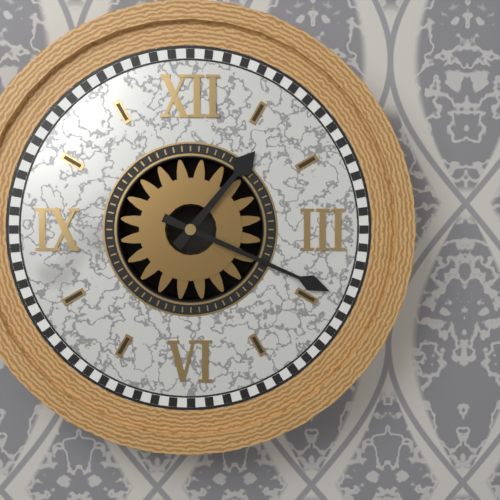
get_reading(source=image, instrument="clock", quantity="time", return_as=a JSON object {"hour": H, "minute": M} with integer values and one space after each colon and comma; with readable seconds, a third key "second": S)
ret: {"hour": 1, "minute": 19}
